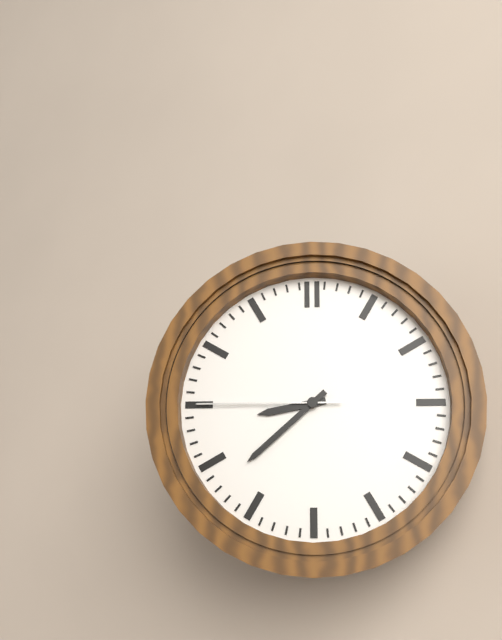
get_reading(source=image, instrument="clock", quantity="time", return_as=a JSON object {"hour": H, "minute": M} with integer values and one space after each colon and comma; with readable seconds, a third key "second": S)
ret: {"hour": 8, "minute": 38, "second": 45}
